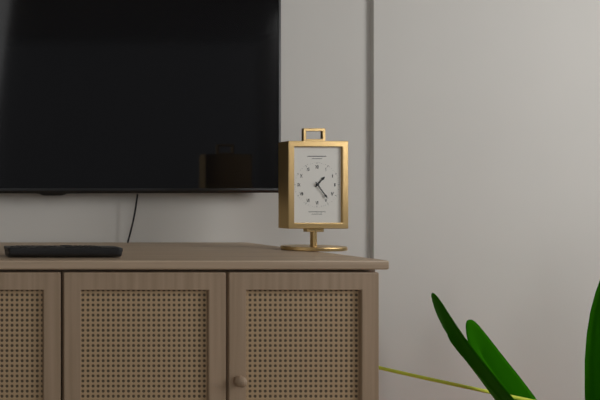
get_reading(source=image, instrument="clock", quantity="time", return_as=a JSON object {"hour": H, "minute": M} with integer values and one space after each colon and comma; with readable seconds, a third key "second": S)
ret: {"hour": 1, "minute": 24}
